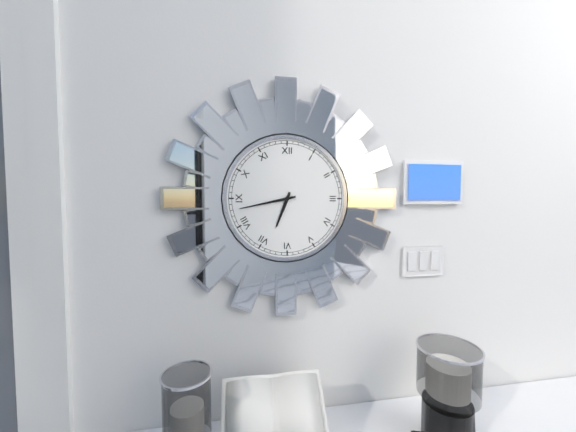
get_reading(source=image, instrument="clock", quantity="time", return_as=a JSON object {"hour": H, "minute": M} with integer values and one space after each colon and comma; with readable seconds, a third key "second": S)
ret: {"hour": 6, "minute": 43}
